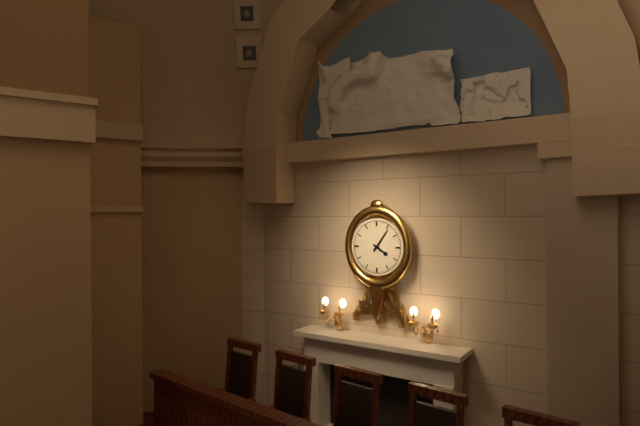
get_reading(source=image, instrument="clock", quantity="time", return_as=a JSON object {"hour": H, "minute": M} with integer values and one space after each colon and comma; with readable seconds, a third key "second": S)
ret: {"hour": 4, "minute": 6}
